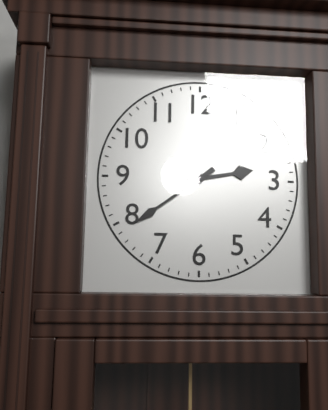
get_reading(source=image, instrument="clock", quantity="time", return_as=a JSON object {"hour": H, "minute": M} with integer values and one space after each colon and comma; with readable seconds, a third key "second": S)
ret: {"hour": 2, "minute": 39}
